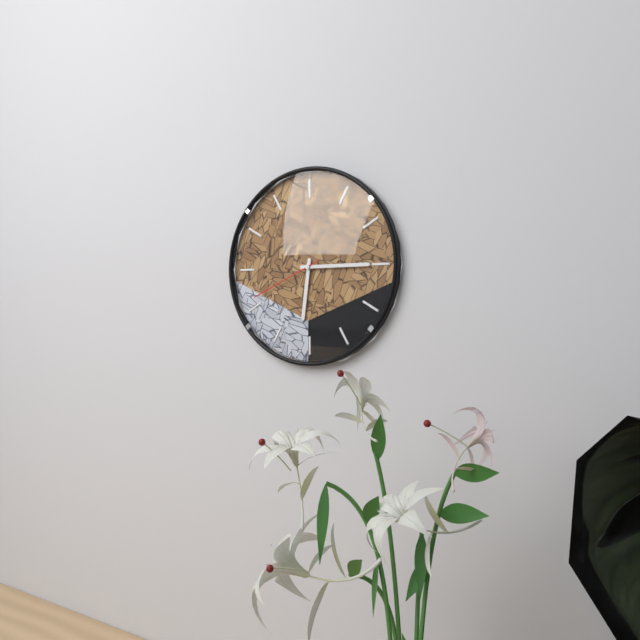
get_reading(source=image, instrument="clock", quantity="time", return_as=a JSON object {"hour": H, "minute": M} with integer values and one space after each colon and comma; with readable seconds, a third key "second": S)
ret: {"hour": 6, "minute": 15, "second": 41}
